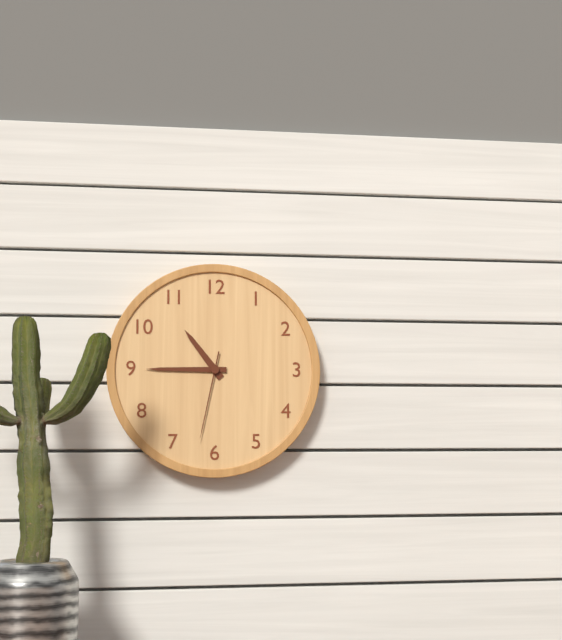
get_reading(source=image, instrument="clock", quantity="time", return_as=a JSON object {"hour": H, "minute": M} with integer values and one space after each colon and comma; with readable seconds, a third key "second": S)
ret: {"hour": 10, "minute": 45, "second": 32}
